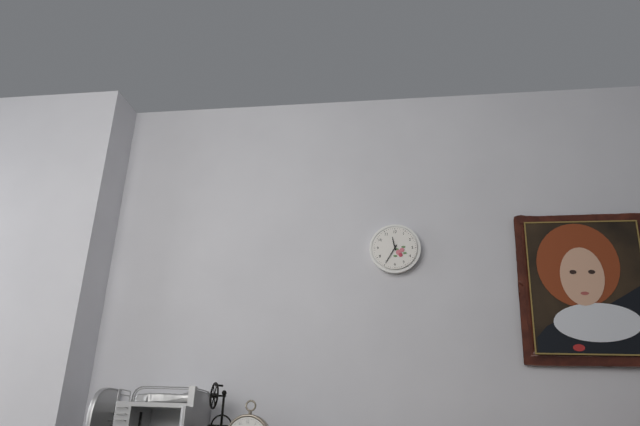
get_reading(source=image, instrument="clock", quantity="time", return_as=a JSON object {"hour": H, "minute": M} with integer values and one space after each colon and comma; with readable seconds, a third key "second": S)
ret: {"hour": 11, "minute": 35}
